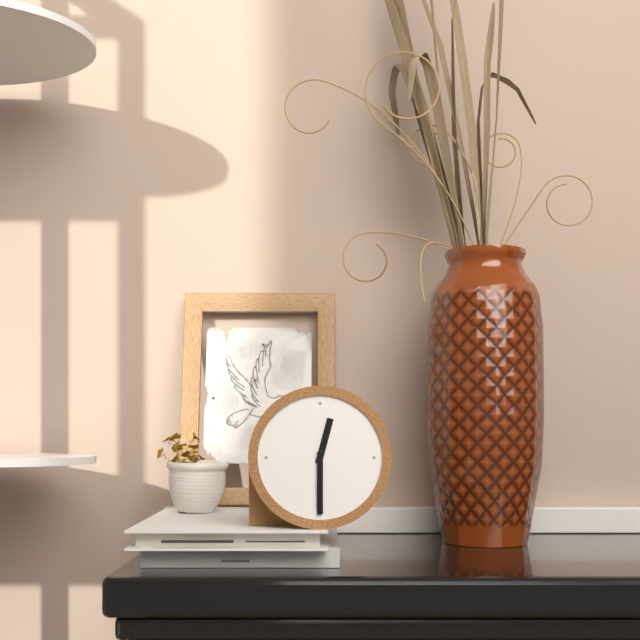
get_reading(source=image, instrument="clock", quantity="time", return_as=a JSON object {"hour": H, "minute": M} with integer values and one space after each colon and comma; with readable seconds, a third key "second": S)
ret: {"hour": 12, "minute": 30}
